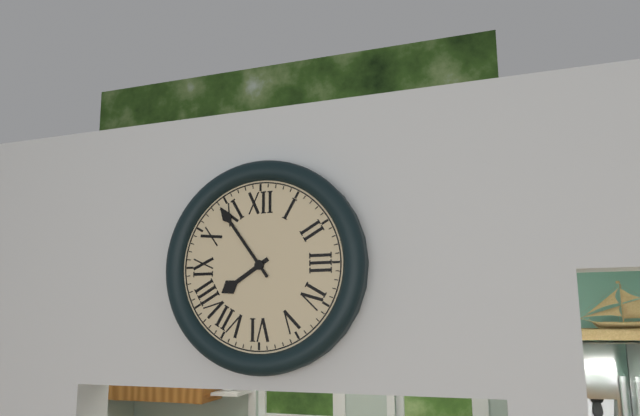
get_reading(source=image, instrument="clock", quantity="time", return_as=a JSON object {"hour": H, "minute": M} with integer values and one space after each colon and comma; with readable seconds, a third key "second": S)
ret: {"hour": 7, "minute": 54}
